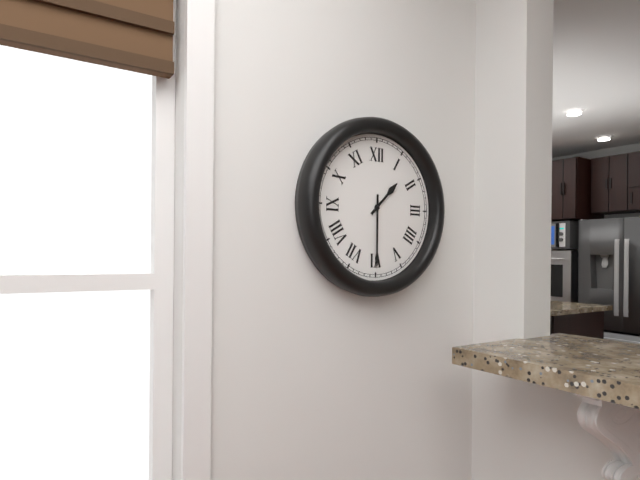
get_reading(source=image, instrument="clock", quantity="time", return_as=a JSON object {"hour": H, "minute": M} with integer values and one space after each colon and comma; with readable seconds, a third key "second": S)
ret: {"hour": 1, "minute": 30}
